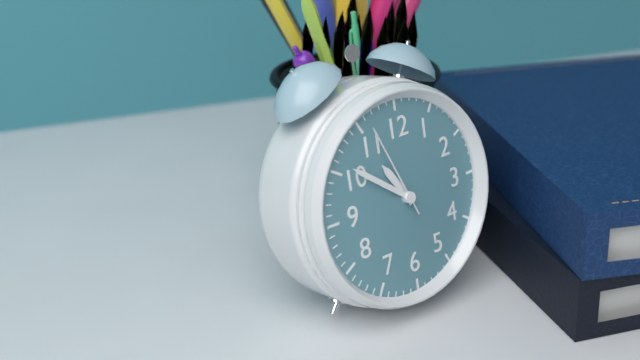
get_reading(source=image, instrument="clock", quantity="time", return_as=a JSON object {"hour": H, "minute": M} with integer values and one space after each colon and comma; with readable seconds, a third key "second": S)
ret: {"hour": 10, "minute": 51, "second": 56}
